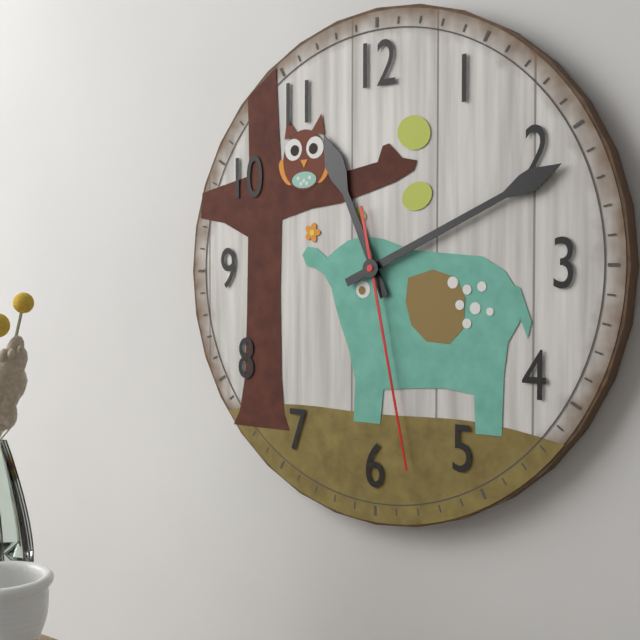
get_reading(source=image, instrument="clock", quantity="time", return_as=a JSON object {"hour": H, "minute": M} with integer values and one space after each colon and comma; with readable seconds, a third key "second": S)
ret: {"hour": 11, "minute": 11, "second": 28}
